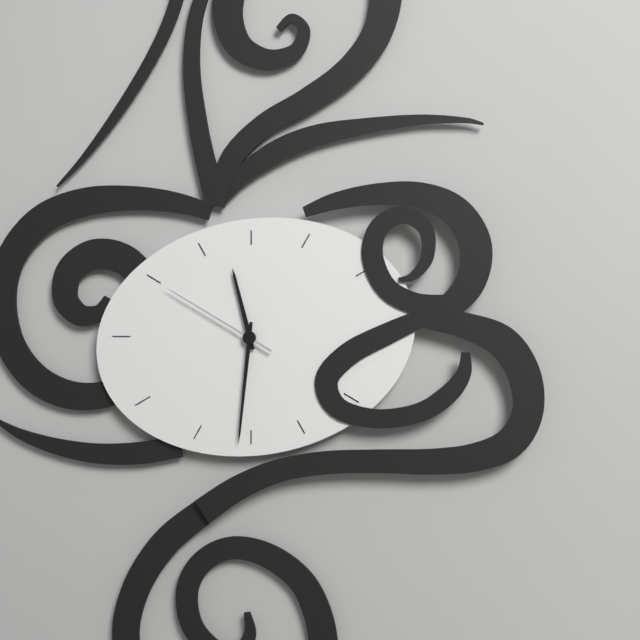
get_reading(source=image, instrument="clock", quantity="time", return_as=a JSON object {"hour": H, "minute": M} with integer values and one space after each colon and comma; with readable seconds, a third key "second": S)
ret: {"hour": 11, "minute": 31, "second": 50}
